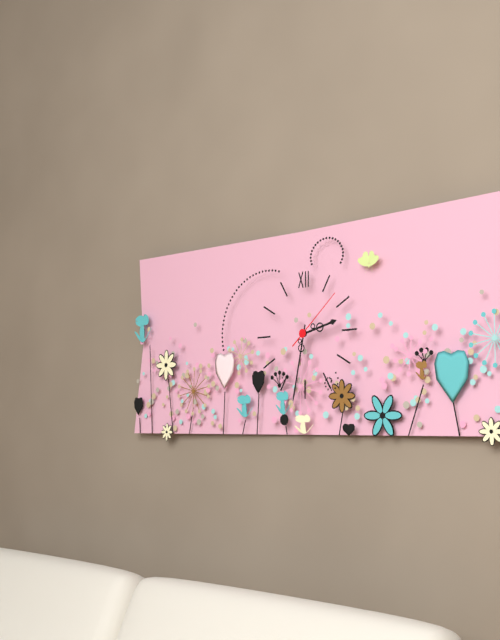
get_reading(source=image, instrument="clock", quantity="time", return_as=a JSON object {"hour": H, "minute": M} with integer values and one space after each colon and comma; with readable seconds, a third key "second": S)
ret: {"hour": 2, "minute": 32, "second": 8}
